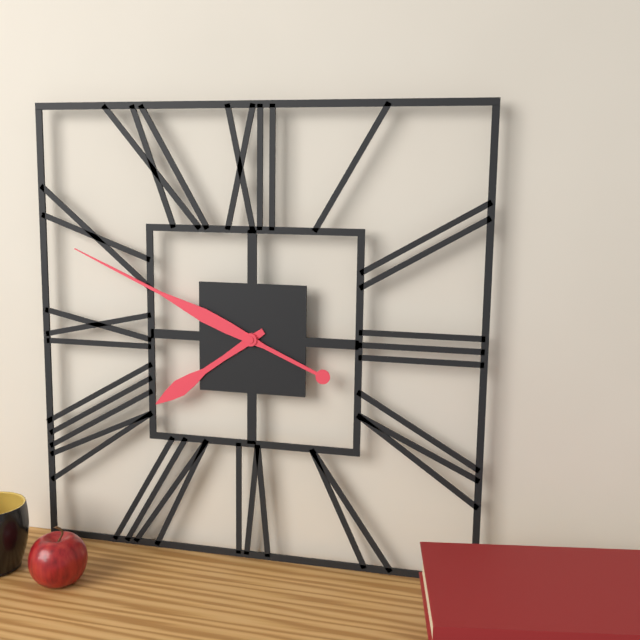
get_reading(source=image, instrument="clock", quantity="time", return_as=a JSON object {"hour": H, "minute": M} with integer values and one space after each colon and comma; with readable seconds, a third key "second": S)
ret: {"hour": 7, "minute": 49}
